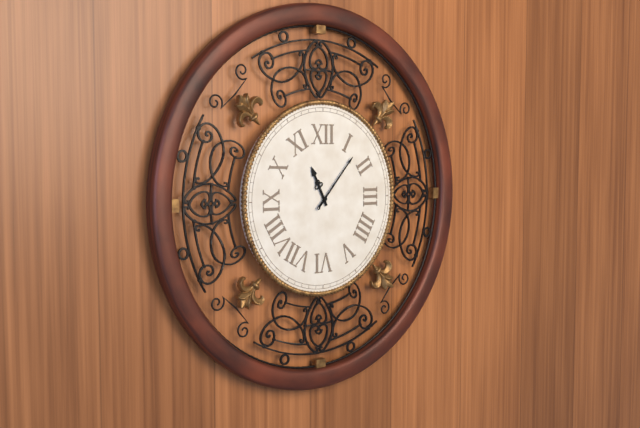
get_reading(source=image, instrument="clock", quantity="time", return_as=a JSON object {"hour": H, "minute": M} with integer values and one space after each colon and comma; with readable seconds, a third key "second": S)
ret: {"hour": 11, "minute": 7}
